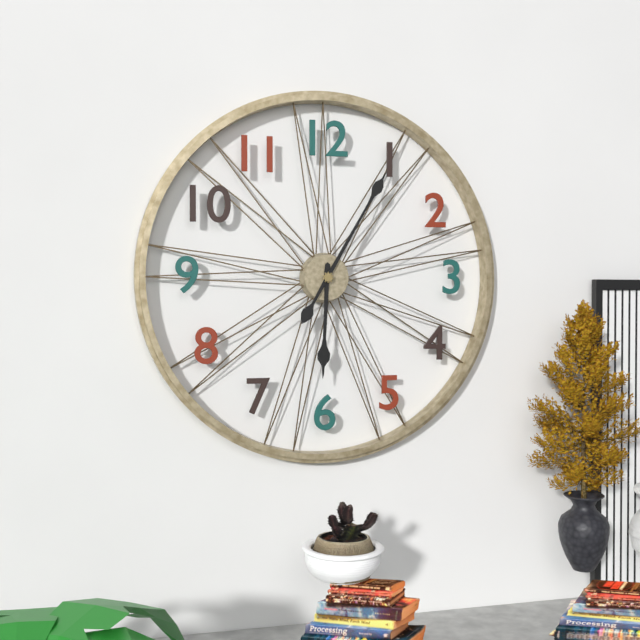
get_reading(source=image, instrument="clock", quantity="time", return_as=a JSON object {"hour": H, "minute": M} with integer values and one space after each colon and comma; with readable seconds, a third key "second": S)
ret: {"hour": 6, "minute": 5}
